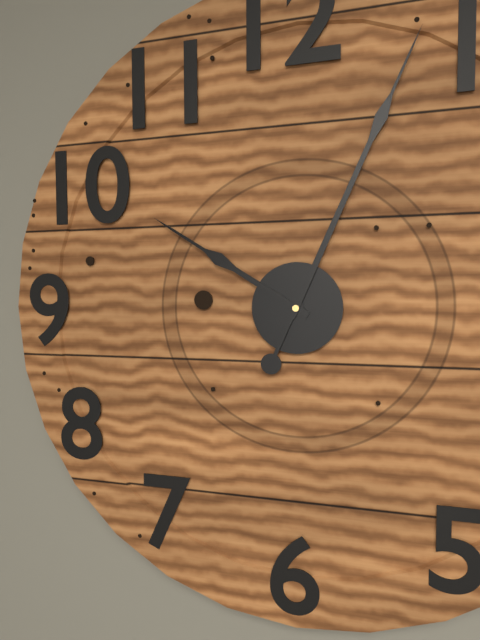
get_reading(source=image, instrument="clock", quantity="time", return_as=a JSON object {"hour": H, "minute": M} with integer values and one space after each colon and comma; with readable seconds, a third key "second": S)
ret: {"hour": 10, "minute": 4}
